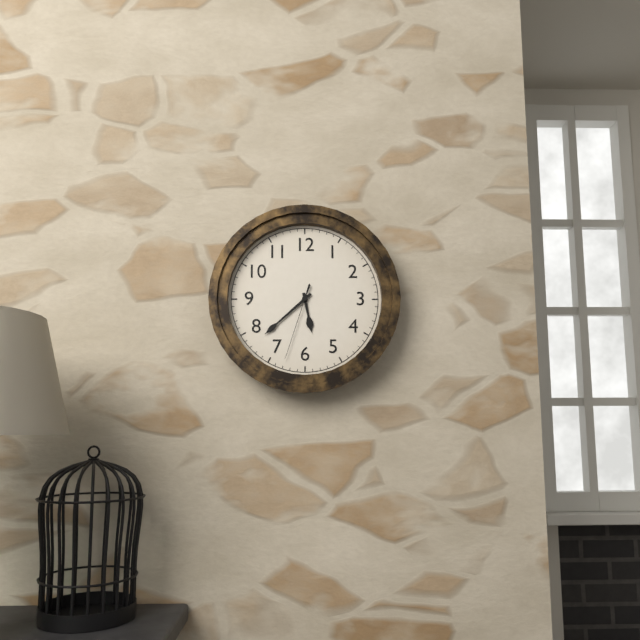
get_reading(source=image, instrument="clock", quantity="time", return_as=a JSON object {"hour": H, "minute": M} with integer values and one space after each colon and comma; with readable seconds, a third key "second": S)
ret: {"hour": 5, "minute": 38, "second": 33}
